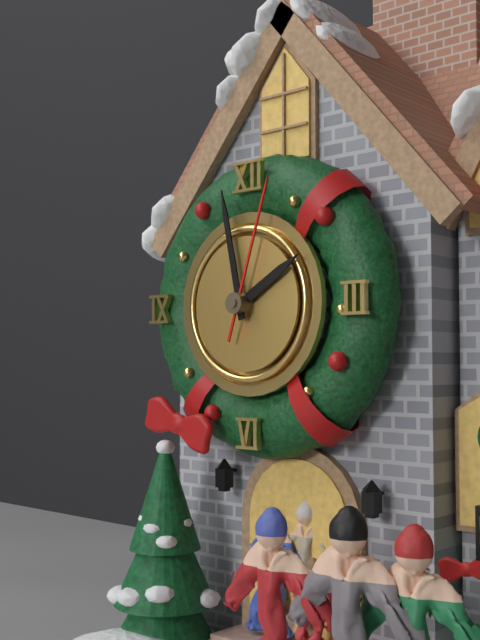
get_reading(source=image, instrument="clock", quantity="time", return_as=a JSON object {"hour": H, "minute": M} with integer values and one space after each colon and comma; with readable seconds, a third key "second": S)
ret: {"hour": 1, "minute": 58, "second": 3}
